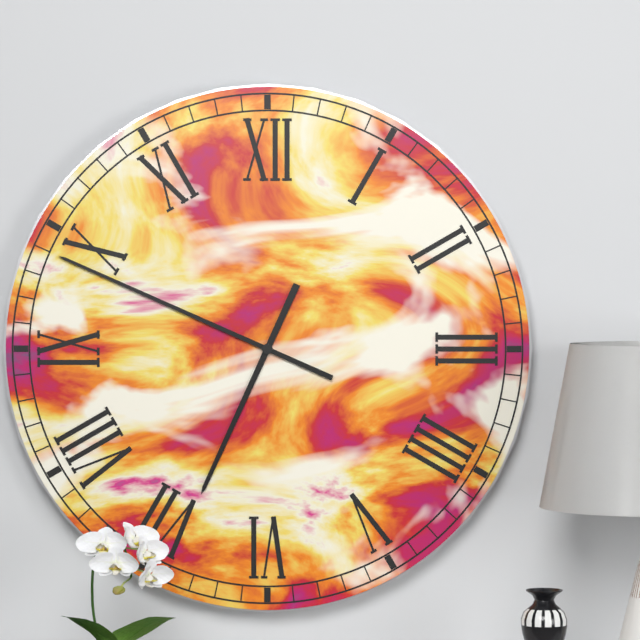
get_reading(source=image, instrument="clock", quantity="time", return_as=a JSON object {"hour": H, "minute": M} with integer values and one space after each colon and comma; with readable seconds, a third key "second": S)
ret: {"hour": 6, "minute": 49}
